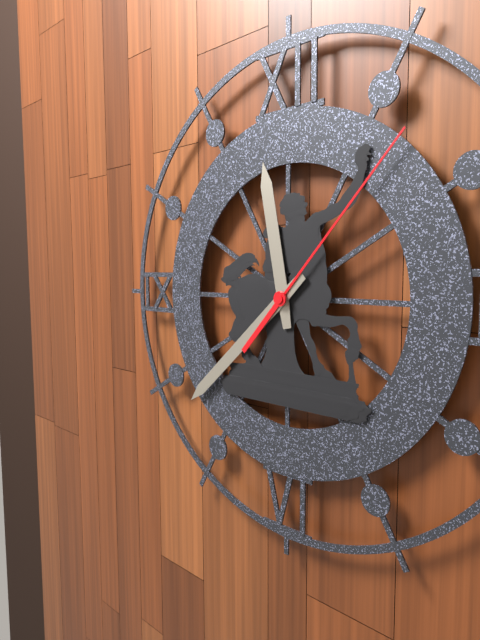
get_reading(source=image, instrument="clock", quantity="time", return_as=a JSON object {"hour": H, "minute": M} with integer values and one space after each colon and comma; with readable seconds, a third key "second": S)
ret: {"hour": 11, "minute": 38, "second": 7}
